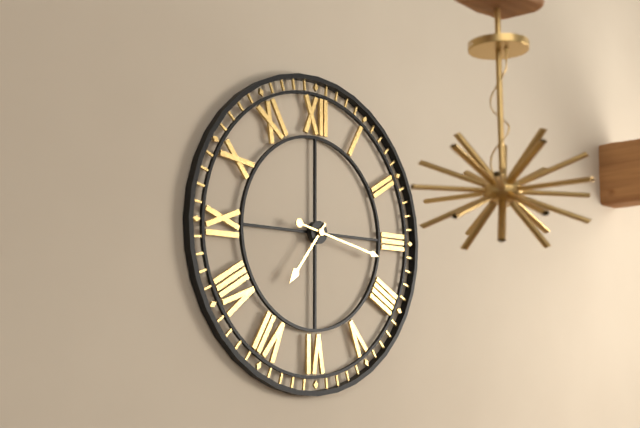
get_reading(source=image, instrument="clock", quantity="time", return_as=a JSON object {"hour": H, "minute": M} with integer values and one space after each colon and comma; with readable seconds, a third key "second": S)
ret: {"hour": 7, "minute": 17}
